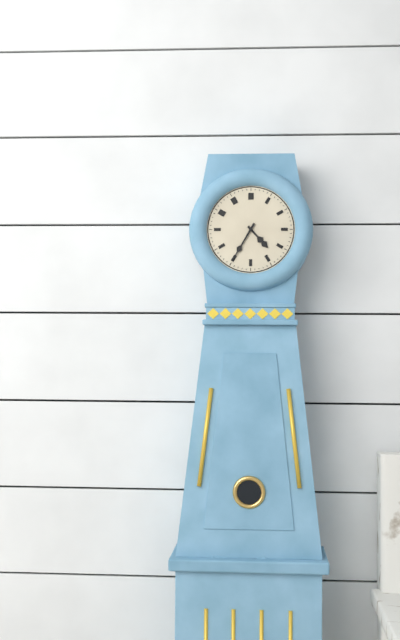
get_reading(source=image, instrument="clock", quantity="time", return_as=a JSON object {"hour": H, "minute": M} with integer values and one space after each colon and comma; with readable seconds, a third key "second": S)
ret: {"hour": 4, "minute": 35}
